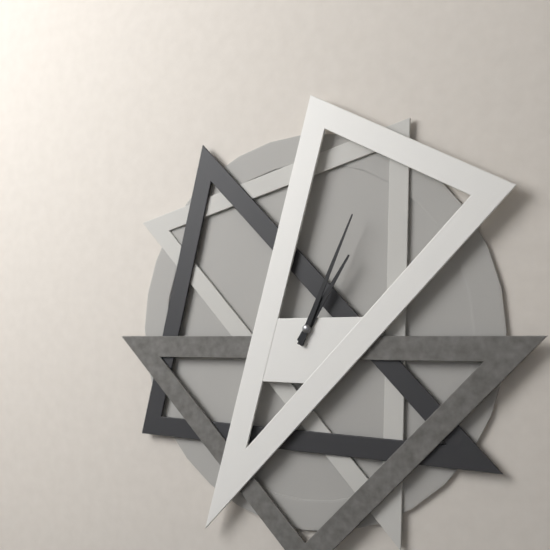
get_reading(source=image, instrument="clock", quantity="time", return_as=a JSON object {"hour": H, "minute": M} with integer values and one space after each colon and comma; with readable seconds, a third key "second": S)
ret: {"hour": 1, "minute": 4}
